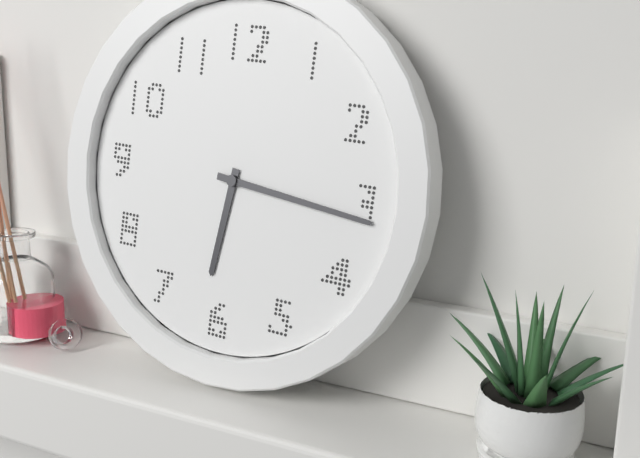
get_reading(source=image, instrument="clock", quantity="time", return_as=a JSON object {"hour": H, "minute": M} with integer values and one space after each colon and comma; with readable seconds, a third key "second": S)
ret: {"hour": 6, "minute": 16}
